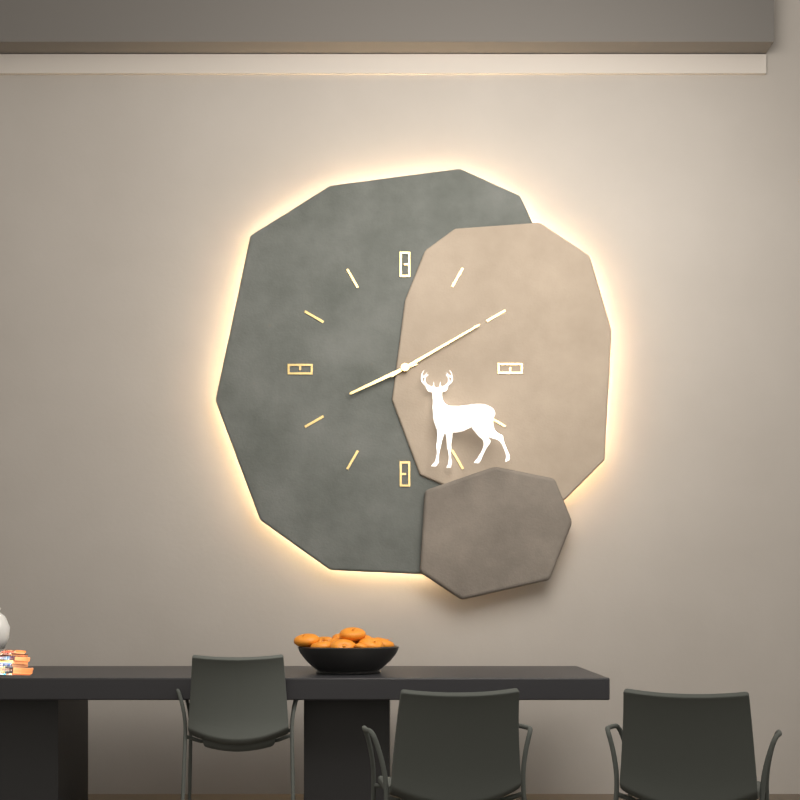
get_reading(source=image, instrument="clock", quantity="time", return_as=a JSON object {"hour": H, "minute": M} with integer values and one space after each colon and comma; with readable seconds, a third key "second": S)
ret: {"hour": 8, "minute": 10}
